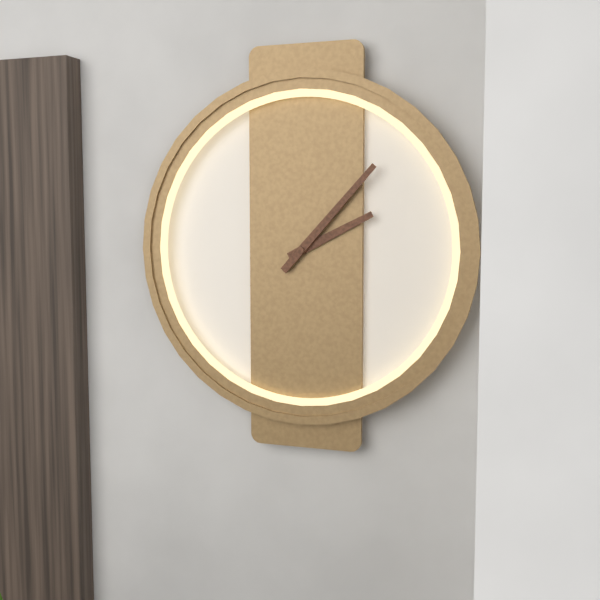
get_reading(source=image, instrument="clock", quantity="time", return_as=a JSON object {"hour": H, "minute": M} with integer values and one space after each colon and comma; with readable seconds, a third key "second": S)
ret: {"hour": 2, "minute": 7}
